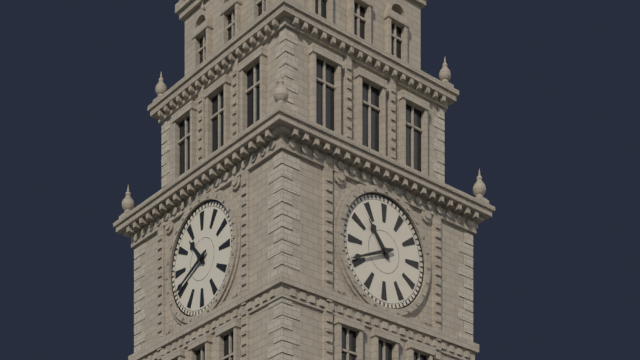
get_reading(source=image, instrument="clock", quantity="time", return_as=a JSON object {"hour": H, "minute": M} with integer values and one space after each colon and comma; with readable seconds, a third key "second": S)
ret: {"hour": 10, "minute": 41}
